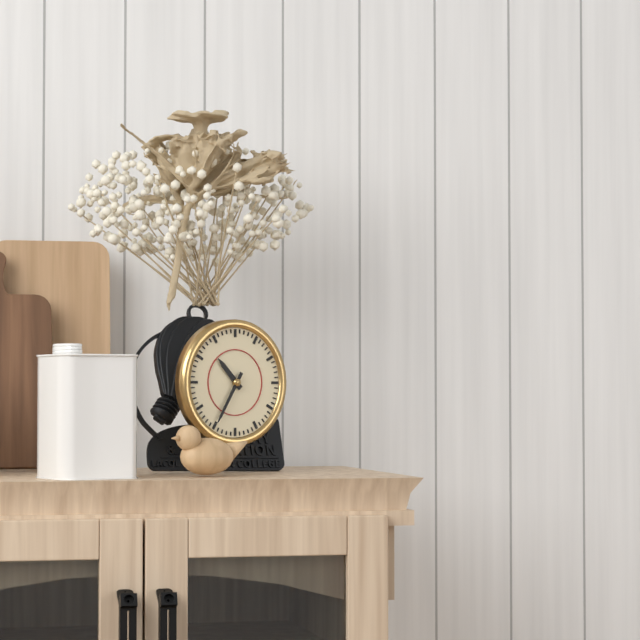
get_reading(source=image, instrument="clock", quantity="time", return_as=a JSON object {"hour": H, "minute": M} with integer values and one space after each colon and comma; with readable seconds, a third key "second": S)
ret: {"hour": 10, "minute": 35}
